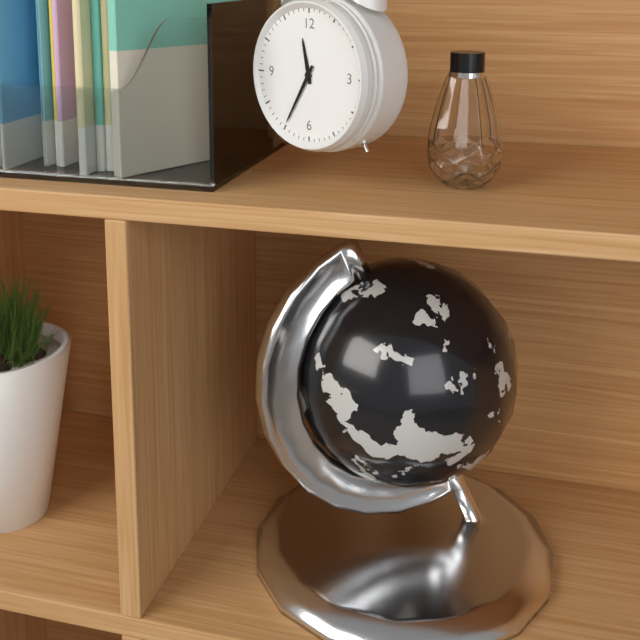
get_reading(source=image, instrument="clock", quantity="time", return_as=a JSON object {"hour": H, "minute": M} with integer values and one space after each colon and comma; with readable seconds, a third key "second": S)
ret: {"hour": 11, "minute": 35}
